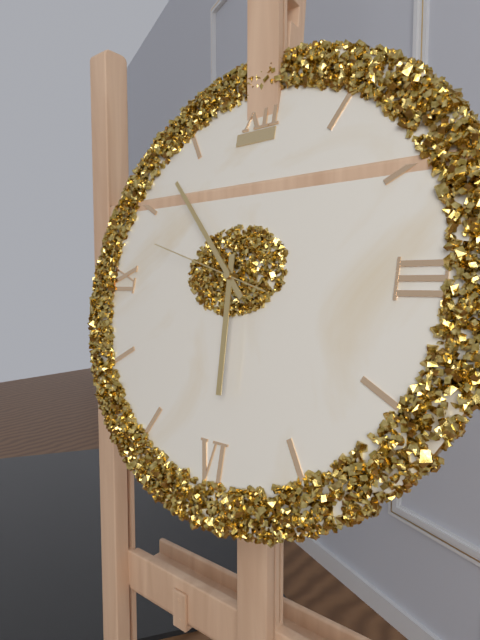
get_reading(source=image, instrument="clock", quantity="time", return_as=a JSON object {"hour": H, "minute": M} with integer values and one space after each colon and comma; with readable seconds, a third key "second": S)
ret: {"hour": 5, "minute": 53, "second": 48}
